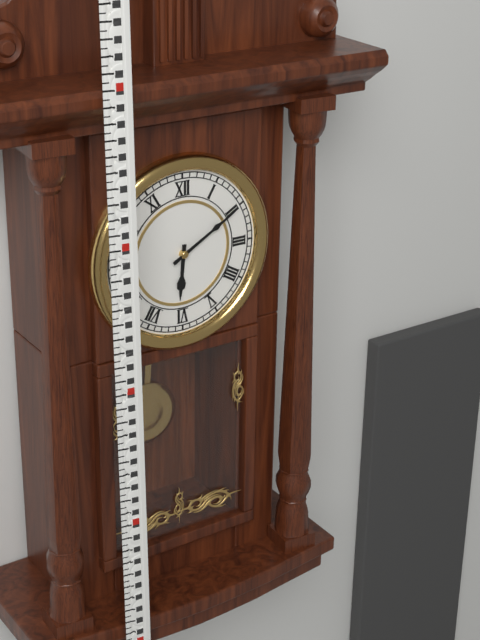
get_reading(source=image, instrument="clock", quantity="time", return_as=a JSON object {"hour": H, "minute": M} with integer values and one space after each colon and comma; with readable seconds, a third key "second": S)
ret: {"hour": 6, "minute": 10}
